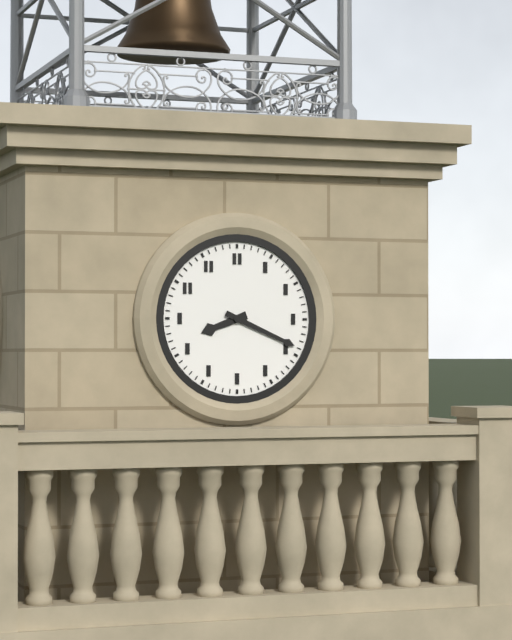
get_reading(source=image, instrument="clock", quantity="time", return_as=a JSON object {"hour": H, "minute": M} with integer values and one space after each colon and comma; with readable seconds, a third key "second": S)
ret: {"hour": 8, "minute": 19}
